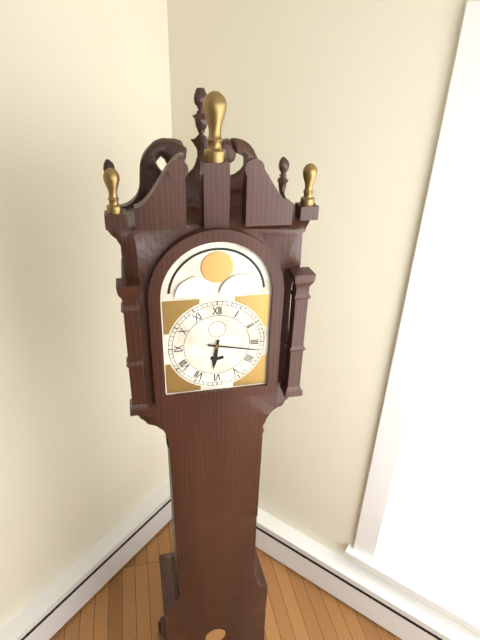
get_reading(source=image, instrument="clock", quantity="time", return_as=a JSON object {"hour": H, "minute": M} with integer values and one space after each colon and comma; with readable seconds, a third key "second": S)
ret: {"hour": 6, "minute": 17}
